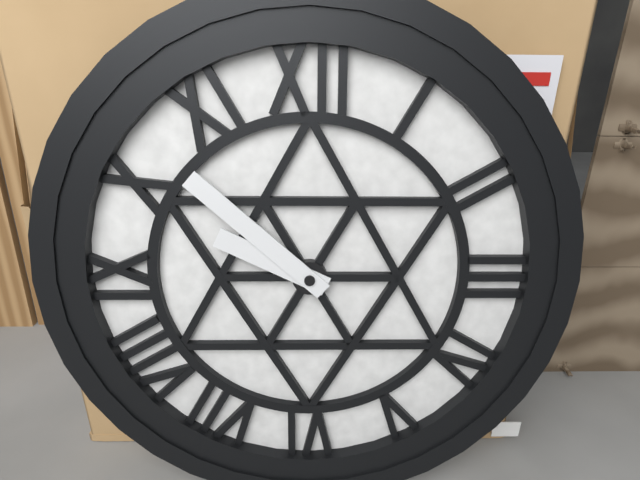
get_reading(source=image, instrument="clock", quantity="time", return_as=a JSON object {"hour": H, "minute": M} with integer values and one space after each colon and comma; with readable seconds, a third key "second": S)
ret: {"hour": 9, "minute": 52}
